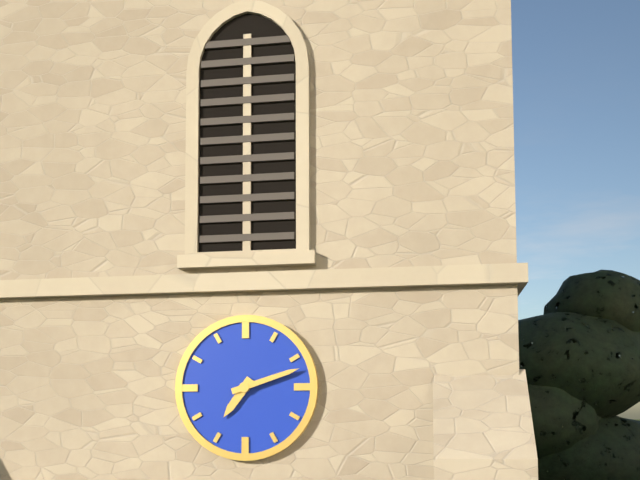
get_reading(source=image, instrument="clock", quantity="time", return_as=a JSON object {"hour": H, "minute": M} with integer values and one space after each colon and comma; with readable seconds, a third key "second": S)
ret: {"hour": 7, "minute": 12}
